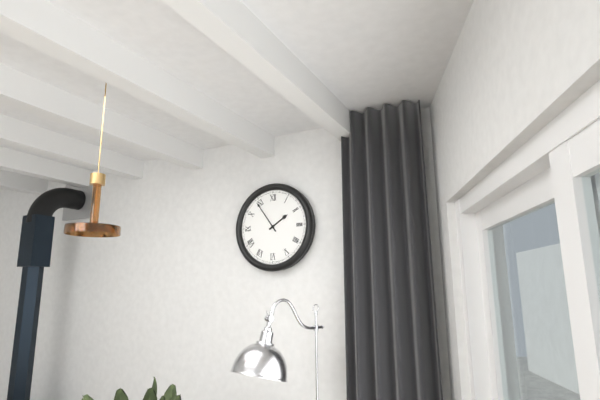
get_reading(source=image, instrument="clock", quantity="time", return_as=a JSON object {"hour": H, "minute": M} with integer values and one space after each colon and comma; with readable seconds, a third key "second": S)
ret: {"hour": 1, "minute": 54}
